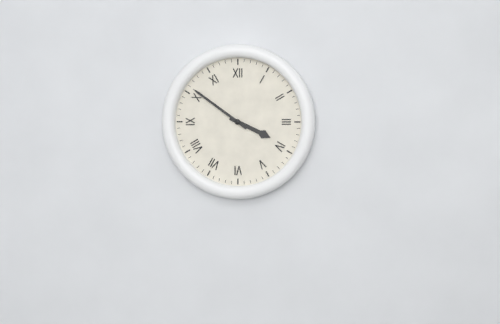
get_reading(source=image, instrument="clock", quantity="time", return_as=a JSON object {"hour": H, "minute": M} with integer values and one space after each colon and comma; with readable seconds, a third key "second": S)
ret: {"hour": 3, "minute": 51}
